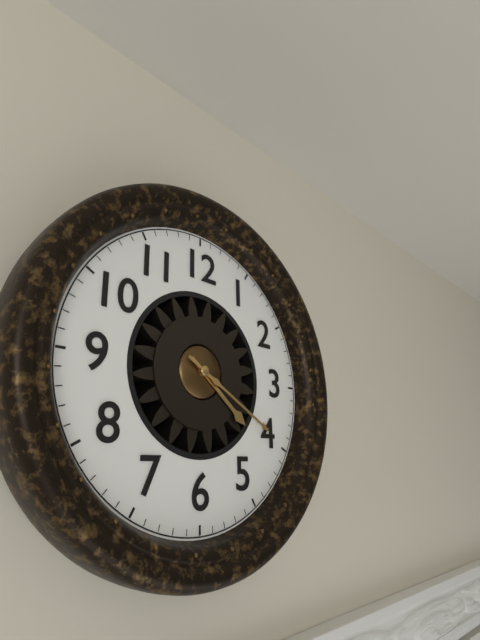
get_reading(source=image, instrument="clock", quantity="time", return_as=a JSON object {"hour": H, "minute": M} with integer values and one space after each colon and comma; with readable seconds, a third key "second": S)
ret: {"hour": 4, "minute": 20}
